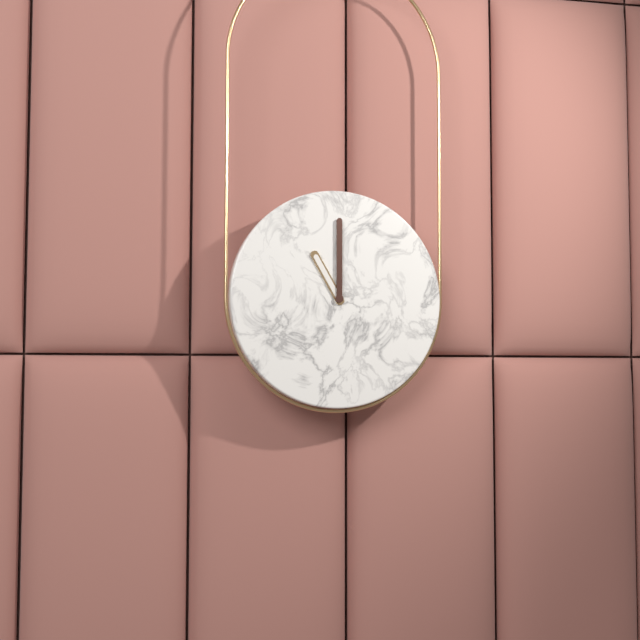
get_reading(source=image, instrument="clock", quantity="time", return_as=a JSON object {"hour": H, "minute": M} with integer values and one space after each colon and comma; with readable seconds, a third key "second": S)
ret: {"hour": 11, "minute": 0}
